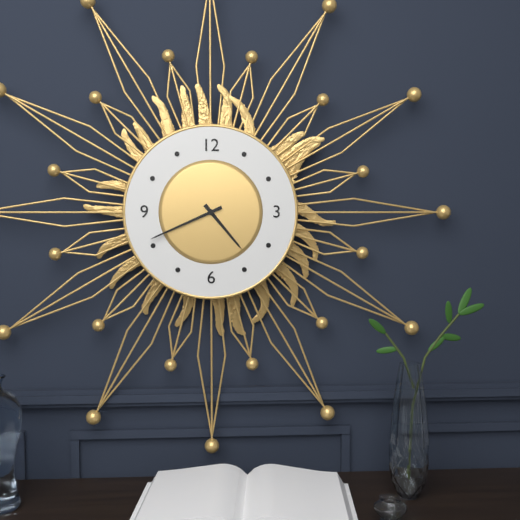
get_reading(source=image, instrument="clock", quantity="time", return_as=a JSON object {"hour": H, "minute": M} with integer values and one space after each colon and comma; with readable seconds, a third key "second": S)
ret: {"hour": 4, "minute": 41}
